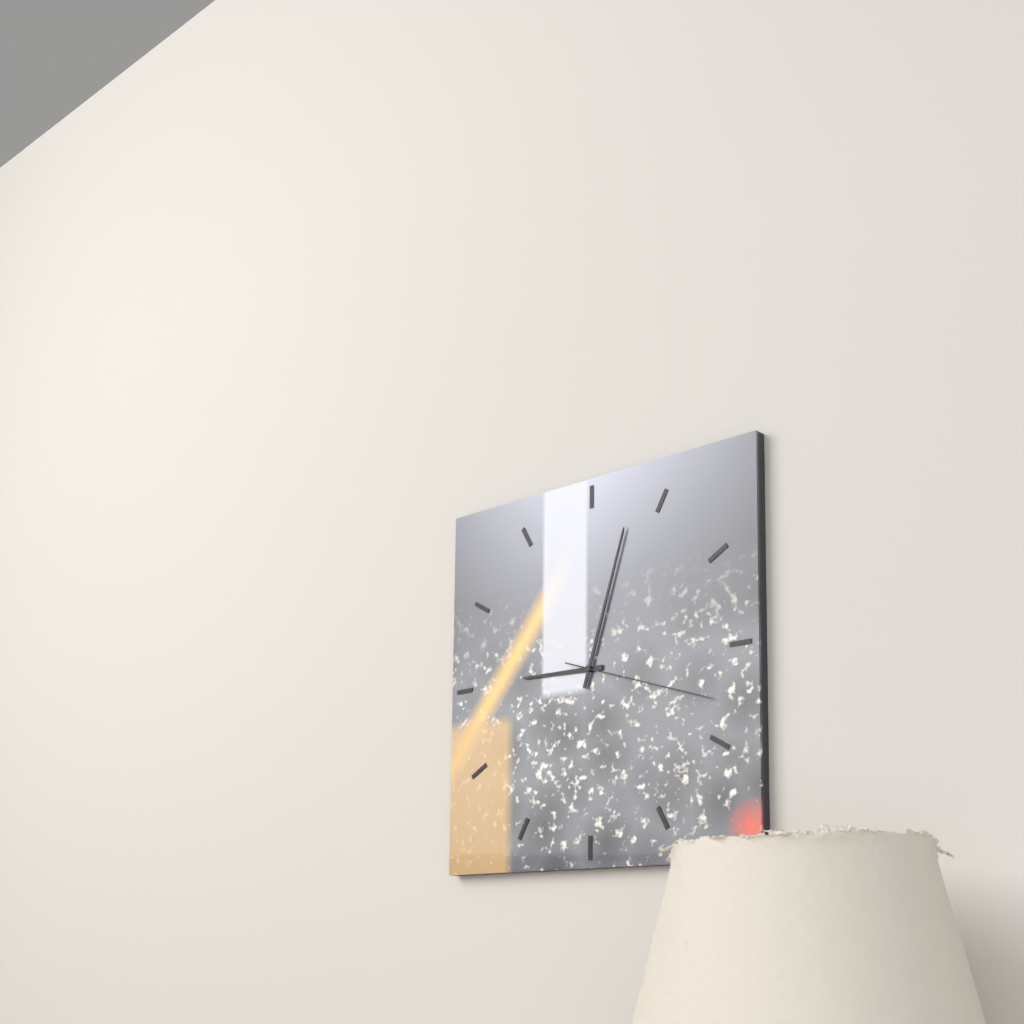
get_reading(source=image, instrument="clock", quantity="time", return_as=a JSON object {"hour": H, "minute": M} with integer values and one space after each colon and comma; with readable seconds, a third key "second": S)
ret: {"hour": 9, "minute": 3, "second": 18}
